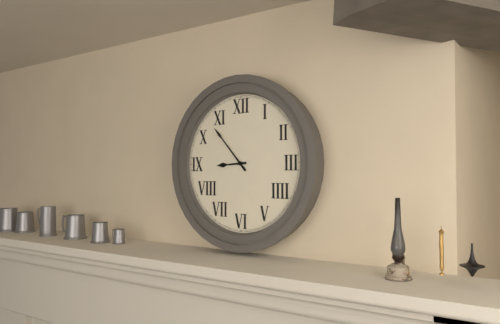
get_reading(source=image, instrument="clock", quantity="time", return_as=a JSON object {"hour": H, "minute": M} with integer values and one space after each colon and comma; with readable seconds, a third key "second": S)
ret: {"hour": 8, "minute": 53}
